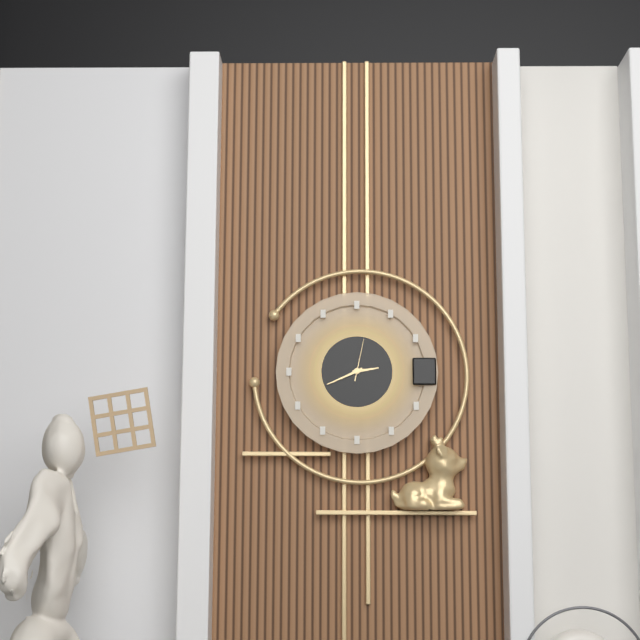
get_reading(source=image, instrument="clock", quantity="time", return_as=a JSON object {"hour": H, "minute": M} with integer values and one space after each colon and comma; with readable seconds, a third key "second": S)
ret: {"hour": 2, "minute": 41}
